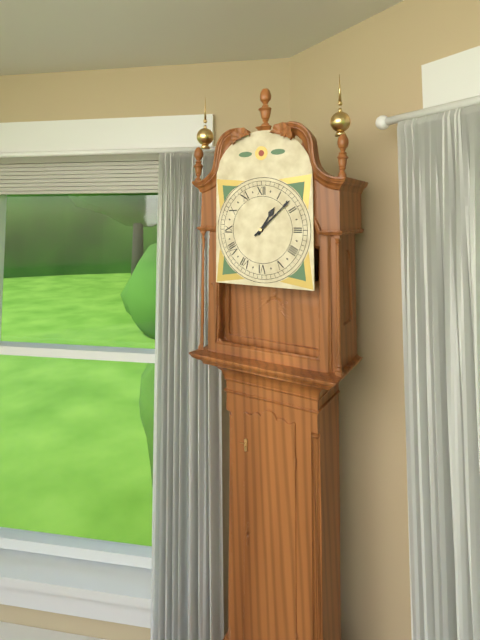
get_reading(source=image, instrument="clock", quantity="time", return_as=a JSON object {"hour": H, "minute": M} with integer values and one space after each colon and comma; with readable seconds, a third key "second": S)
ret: {"hour": 1, "minute": 8}
